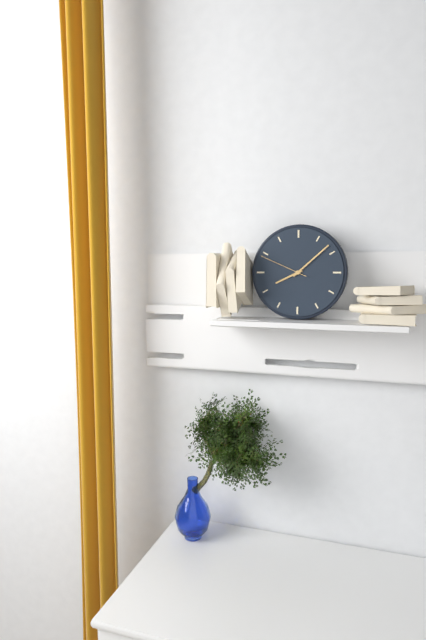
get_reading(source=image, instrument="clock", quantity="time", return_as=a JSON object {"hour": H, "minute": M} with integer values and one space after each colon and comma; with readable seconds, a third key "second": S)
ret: {"hour": 8, "minute": 8, "second": 49}
